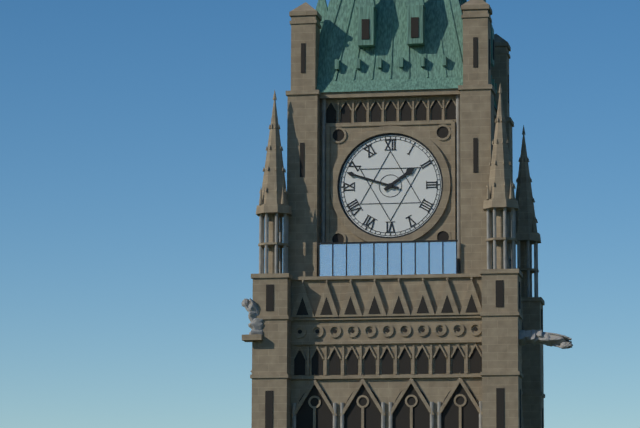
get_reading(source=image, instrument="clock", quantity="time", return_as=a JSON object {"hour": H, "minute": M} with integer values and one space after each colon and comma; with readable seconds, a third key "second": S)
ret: {"hour": 1, "minute": 48}
